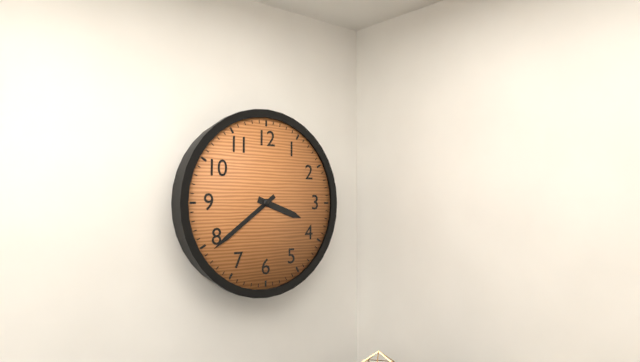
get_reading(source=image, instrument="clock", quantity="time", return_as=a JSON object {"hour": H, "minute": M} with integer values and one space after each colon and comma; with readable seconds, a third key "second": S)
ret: {"hour": 3, "minute": 39}
